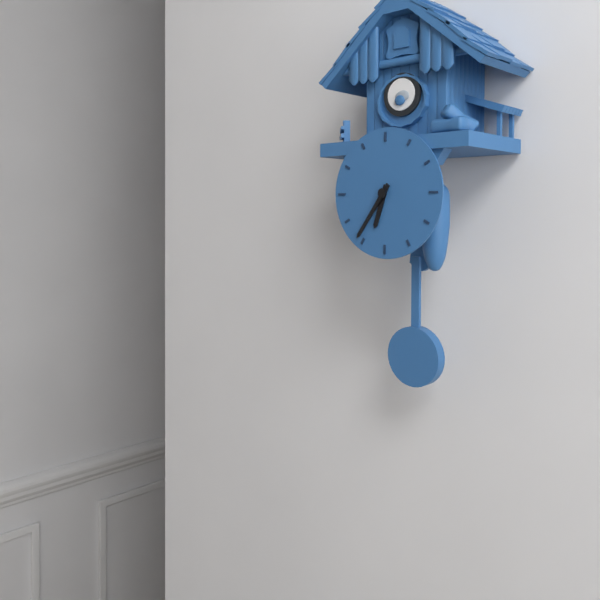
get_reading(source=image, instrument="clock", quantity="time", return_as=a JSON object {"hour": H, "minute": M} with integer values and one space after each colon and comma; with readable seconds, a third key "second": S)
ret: {"hour": 6, "minute": 36}
